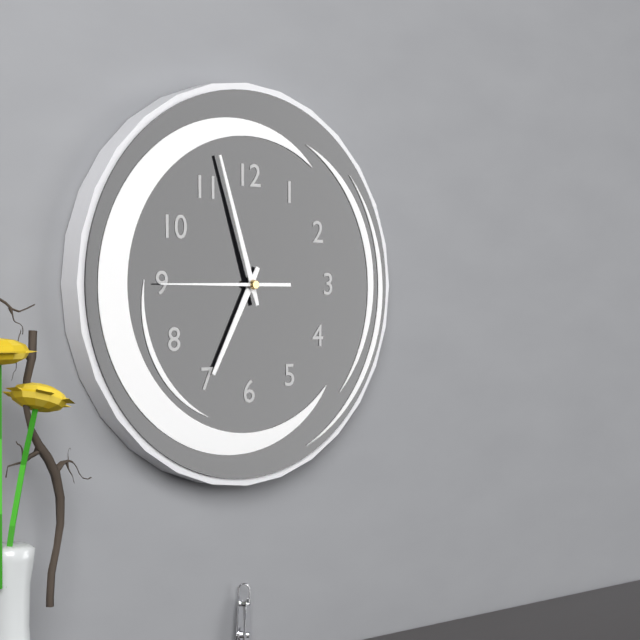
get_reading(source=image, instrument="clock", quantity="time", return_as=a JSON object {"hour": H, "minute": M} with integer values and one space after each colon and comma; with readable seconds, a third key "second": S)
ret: {"hour": 6, "minute": 57, "second": 45}
